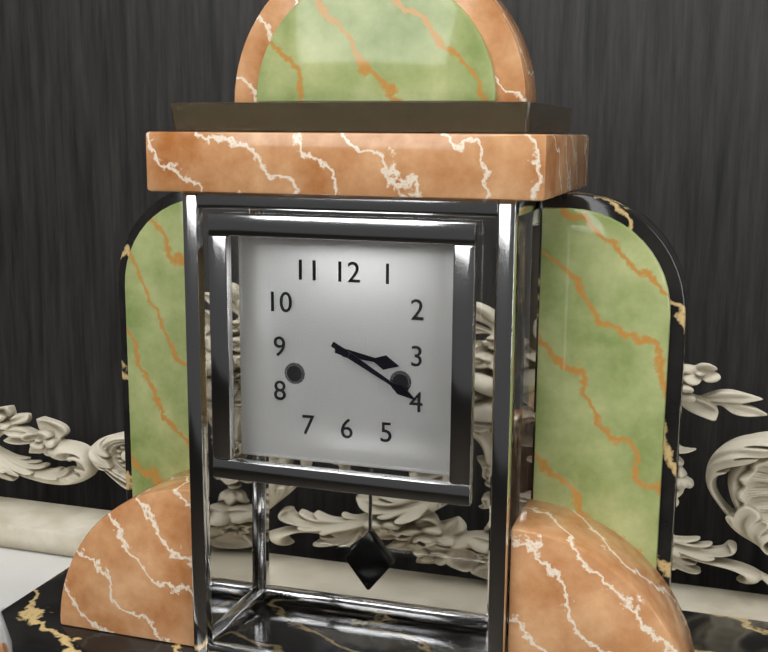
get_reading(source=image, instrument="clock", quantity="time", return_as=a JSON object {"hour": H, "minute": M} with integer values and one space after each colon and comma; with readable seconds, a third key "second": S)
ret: {"hour": 3, "minute": 20}
